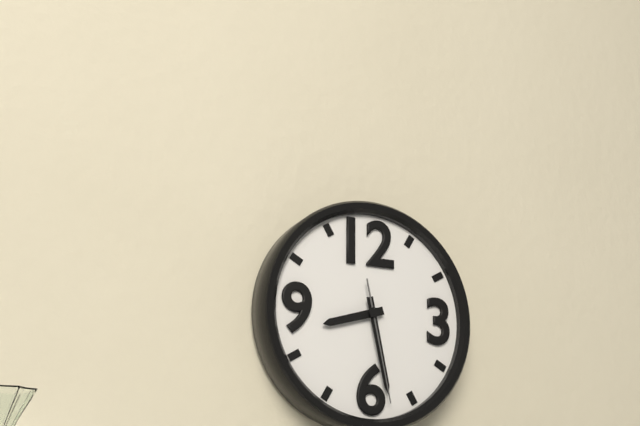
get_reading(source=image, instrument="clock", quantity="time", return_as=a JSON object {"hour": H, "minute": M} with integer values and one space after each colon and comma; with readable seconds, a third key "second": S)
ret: {"hour": 8, "minute": 28, "second": 28}
